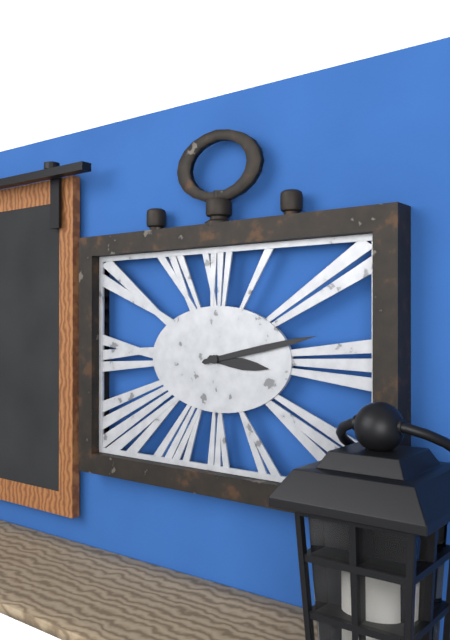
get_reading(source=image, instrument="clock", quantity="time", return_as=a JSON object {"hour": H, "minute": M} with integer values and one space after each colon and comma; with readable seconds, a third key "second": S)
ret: {"hour": 3, "minute": 13}
